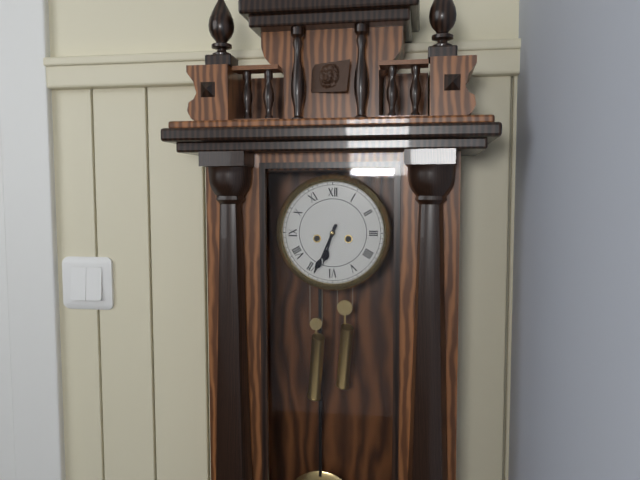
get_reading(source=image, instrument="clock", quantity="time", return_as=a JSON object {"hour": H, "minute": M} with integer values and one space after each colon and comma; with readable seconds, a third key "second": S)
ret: {"hour": 6, "minute": 34}
